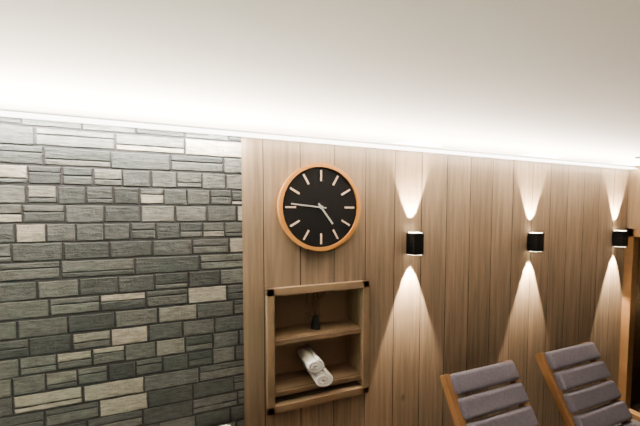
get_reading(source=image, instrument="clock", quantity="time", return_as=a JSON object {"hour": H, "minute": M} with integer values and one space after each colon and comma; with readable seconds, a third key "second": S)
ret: {"hour": 4, "minute": 46}
